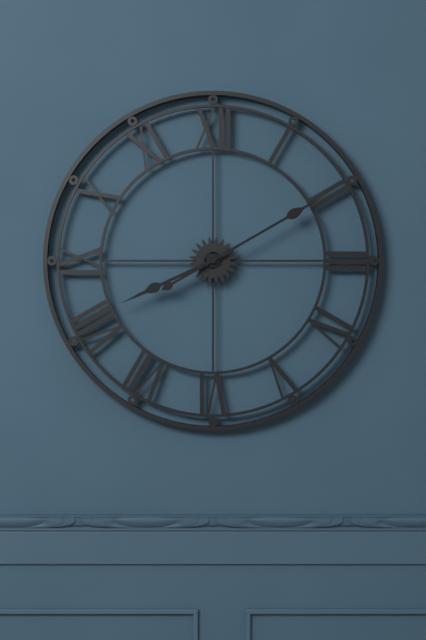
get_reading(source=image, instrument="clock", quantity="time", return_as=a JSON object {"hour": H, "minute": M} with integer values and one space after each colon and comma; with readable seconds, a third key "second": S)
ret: {"hour": 8, "minute": 10}
